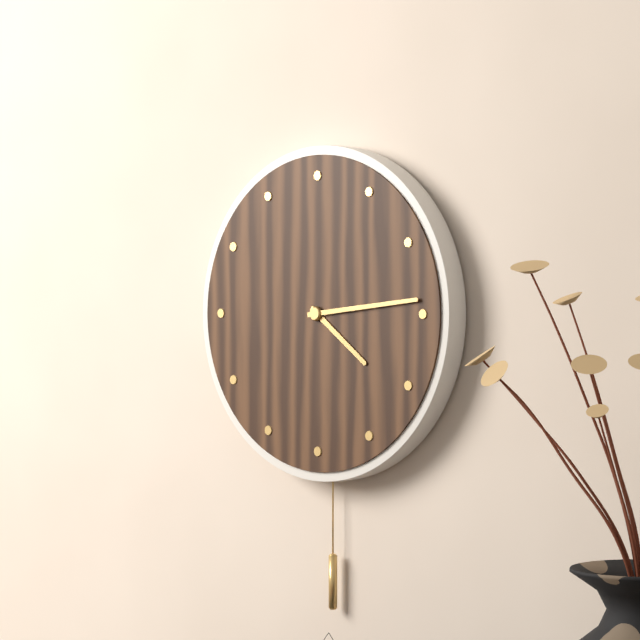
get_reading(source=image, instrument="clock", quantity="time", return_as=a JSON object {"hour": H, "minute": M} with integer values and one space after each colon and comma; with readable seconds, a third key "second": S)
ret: {"hour": 4, "minute": 14}
